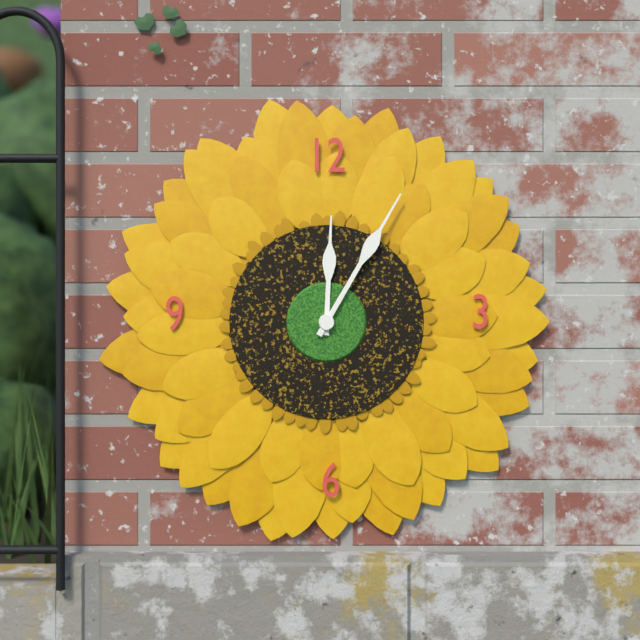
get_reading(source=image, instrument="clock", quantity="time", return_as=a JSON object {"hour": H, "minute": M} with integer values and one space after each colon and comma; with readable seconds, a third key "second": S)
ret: {"hour": 12, "minute": 5}
